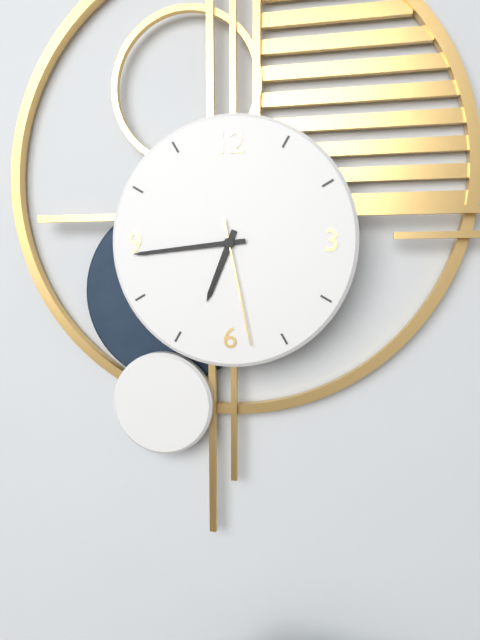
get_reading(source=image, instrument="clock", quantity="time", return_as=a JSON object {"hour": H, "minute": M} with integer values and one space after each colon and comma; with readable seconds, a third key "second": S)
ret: {"hour": 6, "minute": 44, "second": 28}
